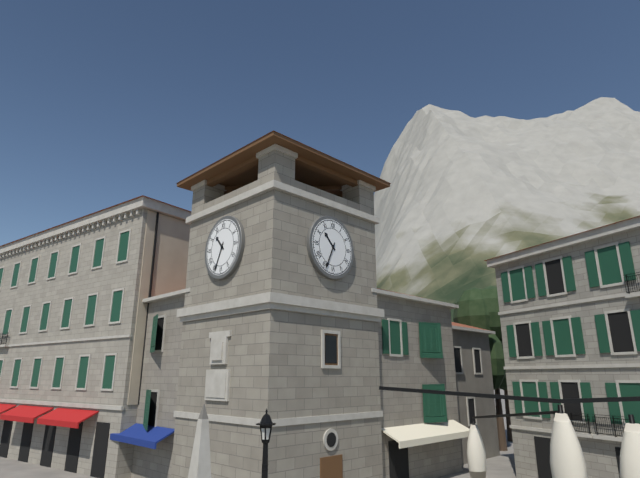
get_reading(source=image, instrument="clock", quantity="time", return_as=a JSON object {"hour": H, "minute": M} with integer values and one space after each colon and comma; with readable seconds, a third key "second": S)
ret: {"hour": 10, "minute": 34}
